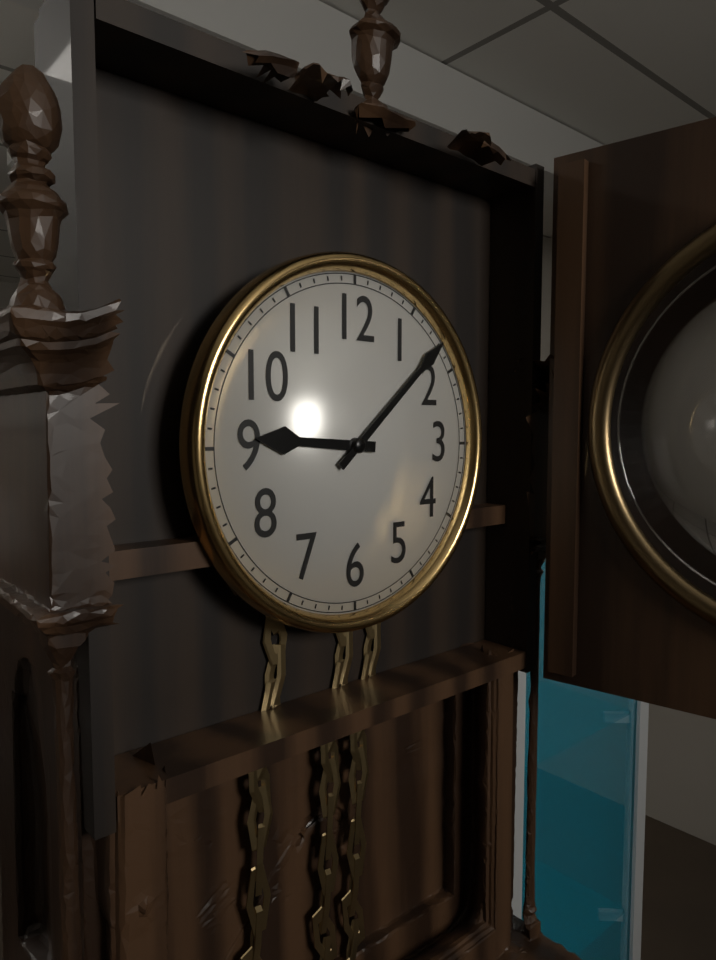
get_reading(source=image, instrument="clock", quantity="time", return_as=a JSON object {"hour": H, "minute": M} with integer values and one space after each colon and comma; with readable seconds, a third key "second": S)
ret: {"hour": 9, "minute": 8}
